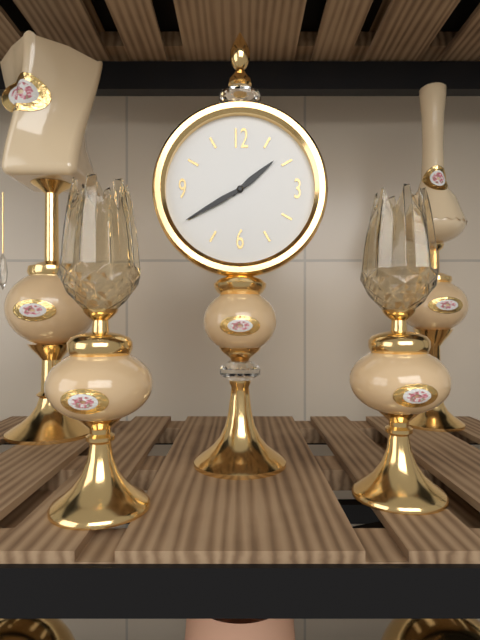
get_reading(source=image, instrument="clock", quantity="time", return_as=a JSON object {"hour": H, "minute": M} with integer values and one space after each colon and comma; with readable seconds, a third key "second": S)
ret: {"hour": 1, "minute": 40}
